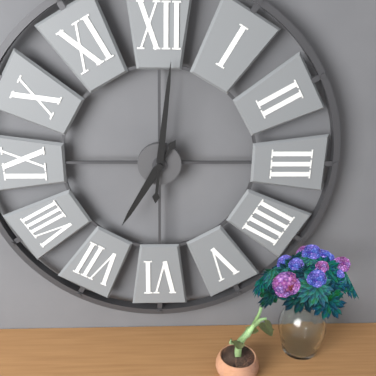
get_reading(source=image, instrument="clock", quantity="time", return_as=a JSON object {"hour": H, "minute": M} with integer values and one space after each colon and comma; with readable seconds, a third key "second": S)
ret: {"hour": 7, "minute": 1}
